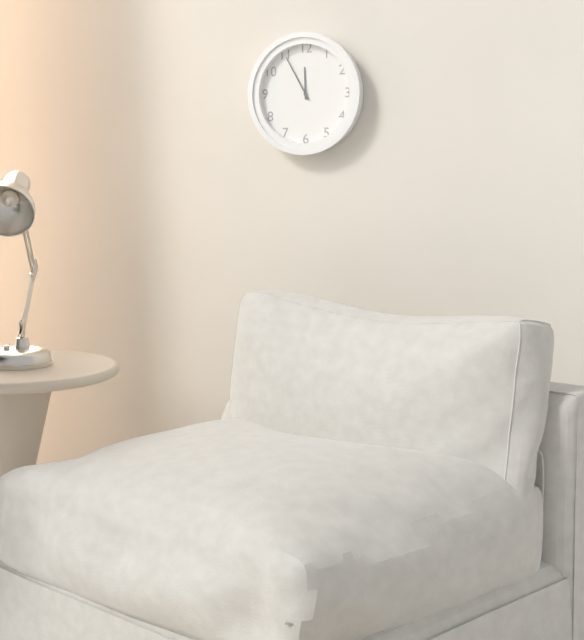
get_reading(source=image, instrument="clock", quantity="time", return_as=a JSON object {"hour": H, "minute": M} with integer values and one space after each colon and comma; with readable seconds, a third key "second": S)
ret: {"hour": 11, "minute": 55}
